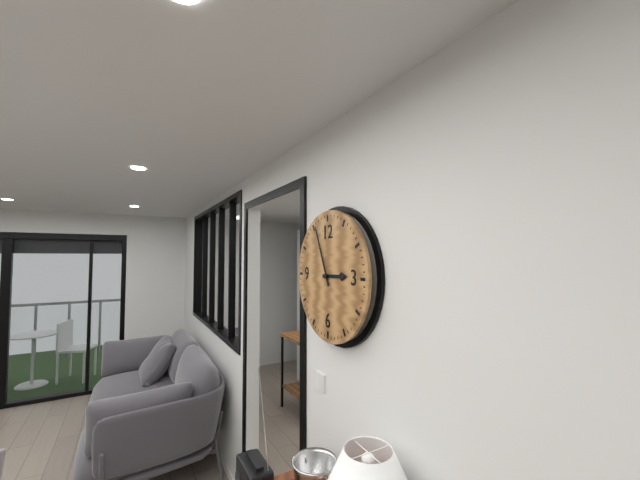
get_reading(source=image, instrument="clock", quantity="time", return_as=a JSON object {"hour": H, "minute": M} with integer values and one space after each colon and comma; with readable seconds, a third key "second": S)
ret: {"hour": 2, "minute": 56}
